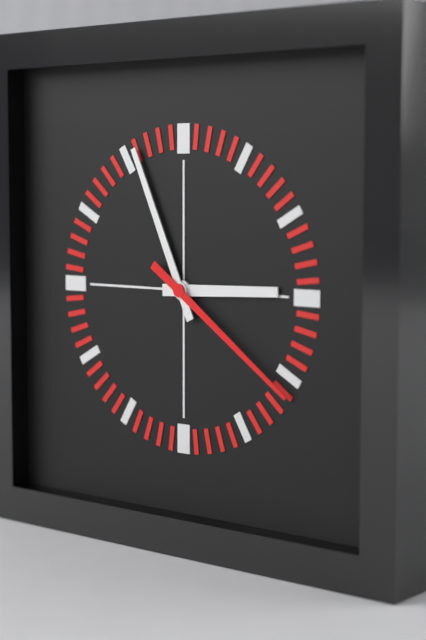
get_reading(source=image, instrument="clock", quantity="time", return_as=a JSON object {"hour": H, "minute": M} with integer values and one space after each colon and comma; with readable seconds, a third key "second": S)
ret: {"hour": 2, "minute": 56, "second": 21}
